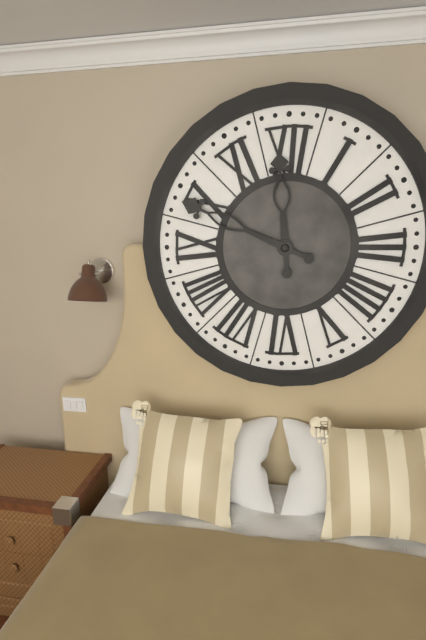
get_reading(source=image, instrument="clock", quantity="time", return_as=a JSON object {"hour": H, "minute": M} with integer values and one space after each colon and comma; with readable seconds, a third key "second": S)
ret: {"hour": 11, "minute": 49}
